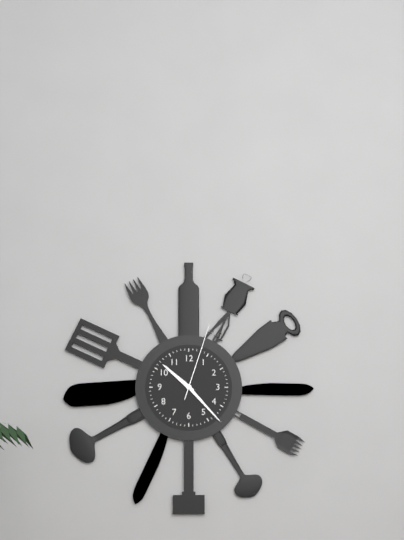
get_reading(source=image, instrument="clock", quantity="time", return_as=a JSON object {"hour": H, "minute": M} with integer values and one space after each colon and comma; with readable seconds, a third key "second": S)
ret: {"hour": 10, "minute": 23, "second": 3}
